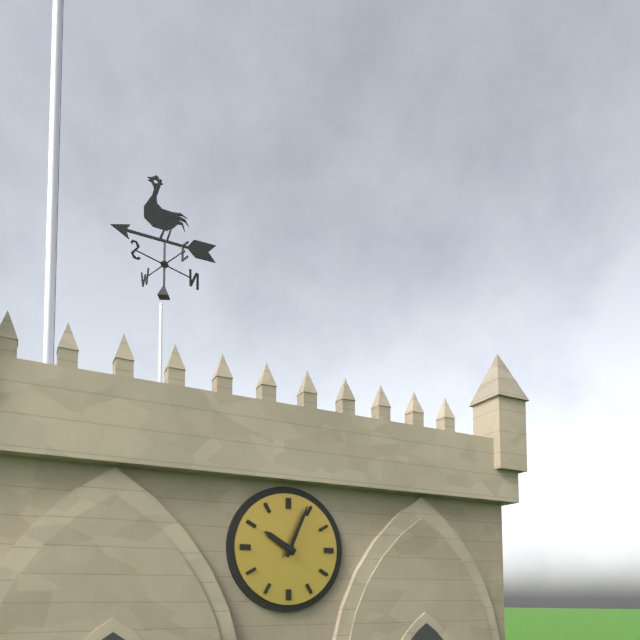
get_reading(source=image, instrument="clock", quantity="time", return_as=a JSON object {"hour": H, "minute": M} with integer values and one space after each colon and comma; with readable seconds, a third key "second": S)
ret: {"hour": 10, "minute": 4}
